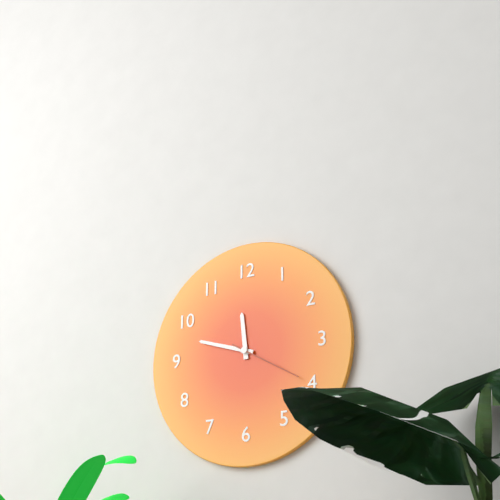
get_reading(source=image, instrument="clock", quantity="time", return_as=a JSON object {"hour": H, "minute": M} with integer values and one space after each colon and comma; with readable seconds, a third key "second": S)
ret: {"hour": 11, "minute": 48, "second": 20}
